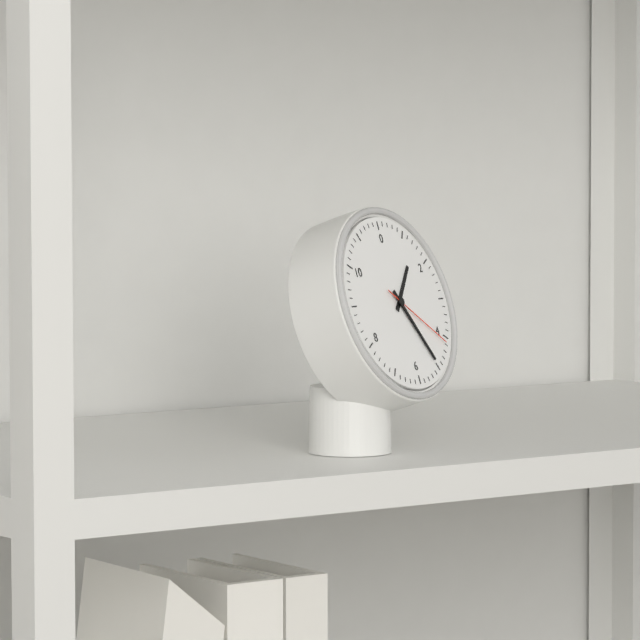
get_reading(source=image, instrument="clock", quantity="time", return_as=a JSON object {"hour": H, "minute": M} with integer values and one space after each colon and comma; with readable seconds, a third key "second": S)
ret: {"hour": 1, "minute": 25, "second": 21}
